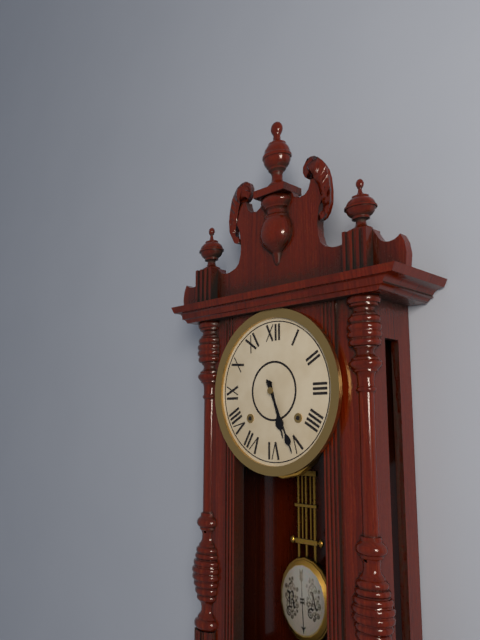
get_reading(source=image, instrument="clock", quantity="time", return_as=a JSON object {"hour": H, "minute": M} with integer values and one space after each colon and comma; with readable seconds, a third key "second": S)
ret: {"hour": 5, "minute": 26}
